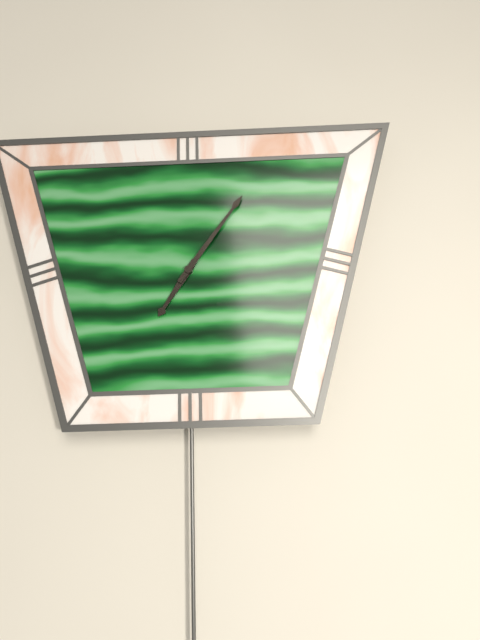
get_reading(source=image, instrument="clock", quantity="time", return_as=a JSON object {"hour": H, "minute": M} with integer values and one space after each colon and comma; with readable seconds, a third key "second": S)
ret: {"hour": 7, "minute": 6}
